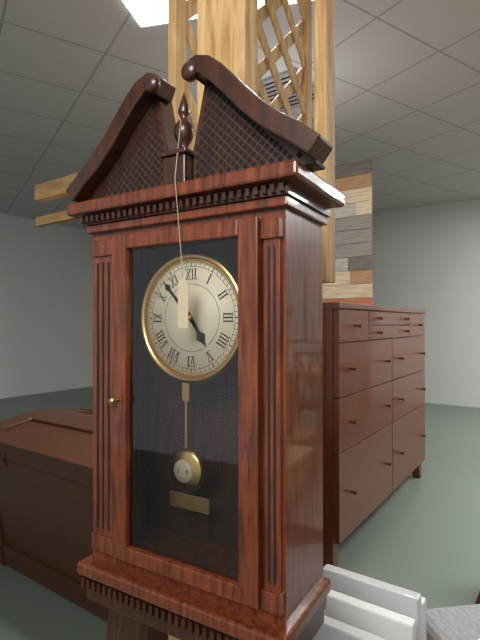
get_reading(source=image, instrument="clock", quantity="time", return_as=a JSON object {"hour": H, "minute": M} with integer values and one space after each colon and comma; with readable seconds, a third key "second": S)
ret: {"hour": 4, "minute": 53}
